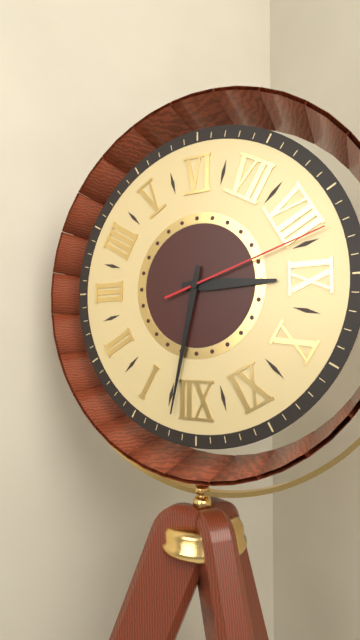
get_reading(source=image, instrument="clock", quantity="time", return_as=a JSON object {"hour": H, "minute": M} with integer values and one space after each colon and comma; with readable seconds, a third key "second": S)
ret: {"hour": 9, "minute": 2, "second": 42}
